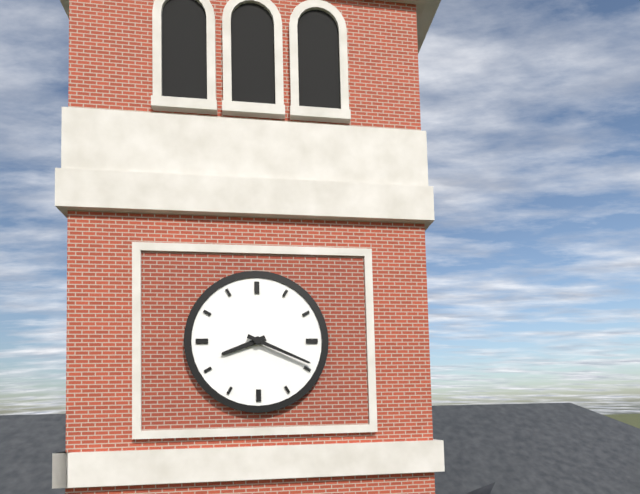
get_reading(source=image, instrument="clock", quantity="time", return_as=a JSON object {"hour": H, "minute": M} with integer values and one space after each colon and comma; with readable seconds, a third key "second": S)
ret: {"hour": 8, "minute": 19}
